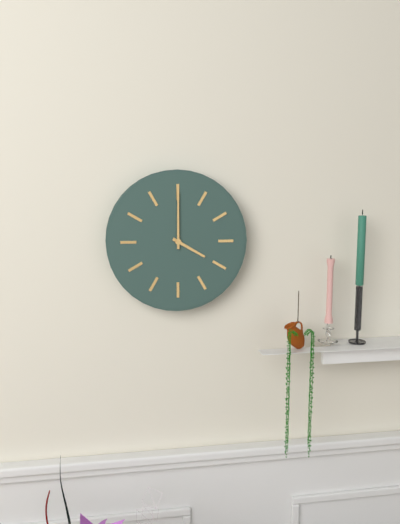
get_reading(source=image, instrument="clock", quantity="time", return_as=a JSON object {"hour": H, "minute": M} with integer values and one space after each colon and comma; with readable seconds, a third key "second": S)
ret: {"hour": 4, "minute": 0}
